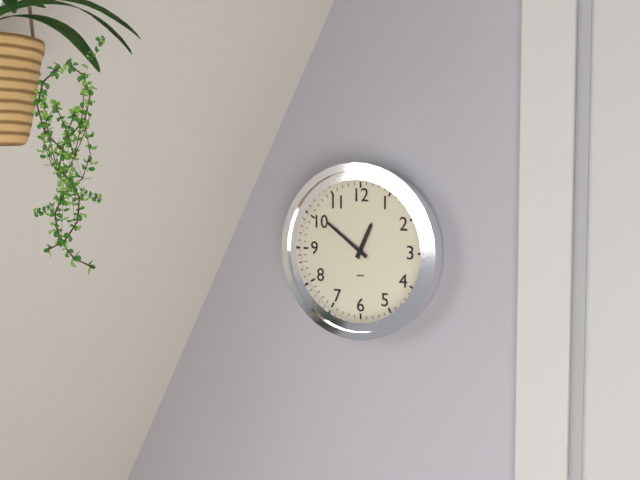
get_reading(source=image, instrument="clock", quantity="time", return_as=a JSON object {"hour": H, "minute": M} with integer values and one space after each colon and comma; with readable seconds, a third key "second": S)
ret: {"hour": 12, "minute": 51}
